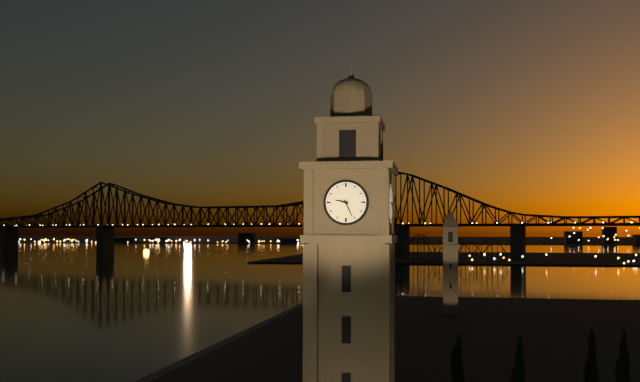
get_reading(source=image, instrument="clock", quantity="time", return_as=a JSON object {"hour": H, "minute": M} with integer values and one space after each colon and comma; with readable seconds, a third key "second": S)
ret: {"hour": 9, "minute": 26}
